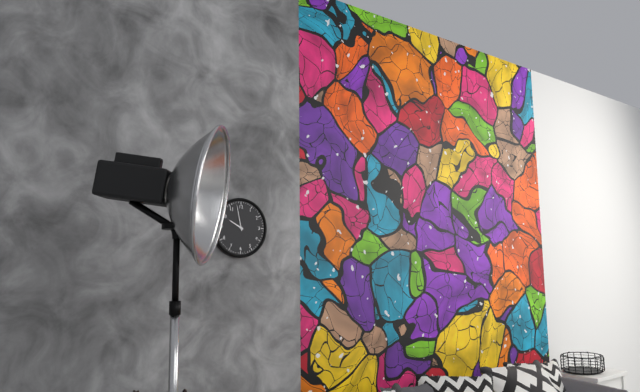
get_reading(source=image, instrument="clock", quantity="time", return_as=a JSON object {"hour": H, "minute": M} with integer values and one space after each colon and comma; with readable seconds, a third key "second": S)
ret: {"hour": 9, "minute": 58}
